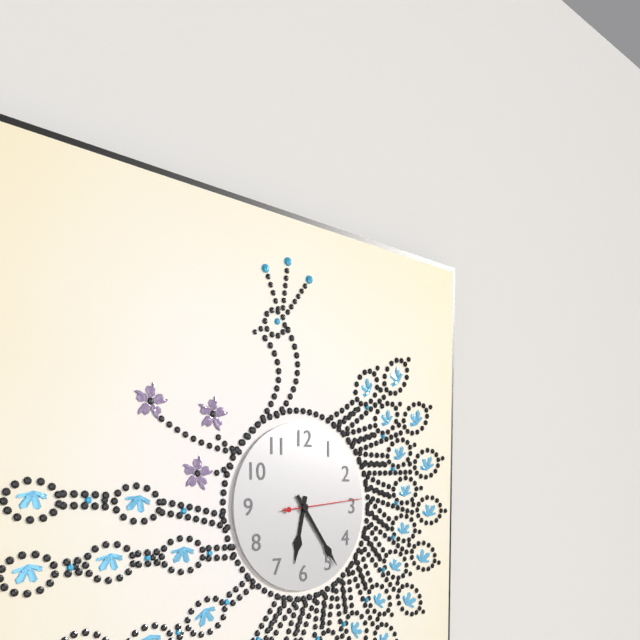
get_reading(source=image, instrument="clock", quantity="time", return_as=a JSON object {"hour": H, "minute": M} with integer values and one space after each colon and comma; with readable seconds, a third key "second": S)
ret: {"hour": 6, "minute": 24, "second": 14}
